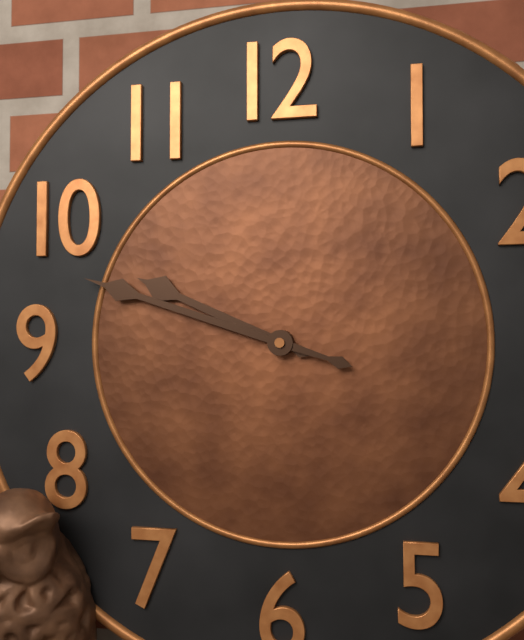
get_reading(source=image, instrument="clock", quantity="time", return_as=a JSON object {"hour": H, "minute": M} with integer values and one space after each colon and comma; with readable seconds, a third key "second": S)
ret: {"hour": 9, "minute": 48}
